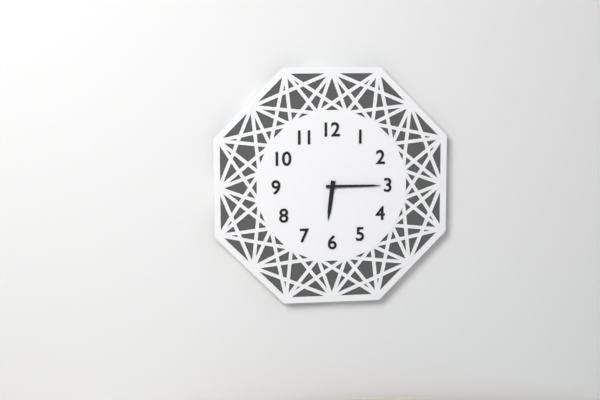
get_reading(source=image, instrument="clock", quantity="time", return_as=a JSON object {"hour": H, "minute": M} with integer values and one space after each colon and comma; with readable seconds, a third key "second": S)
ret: {"hour": 6, "minute": 15}
